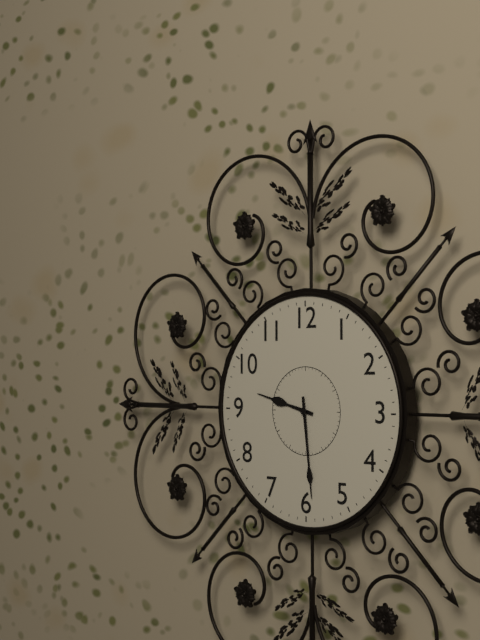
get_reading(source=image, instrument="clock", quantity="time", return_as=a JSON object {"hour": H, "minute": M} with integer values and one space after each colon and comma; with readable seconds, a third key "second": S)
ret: {"hour": 9, "minute": 29}
